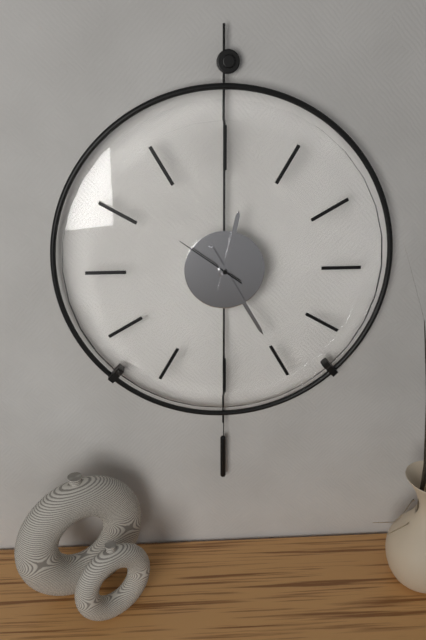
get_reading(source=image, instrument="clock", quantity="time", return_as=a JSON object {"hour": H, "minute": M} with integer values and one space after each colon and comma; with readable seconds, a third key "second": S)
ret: {"hour": 12, "minute": 25, "second": 51}
